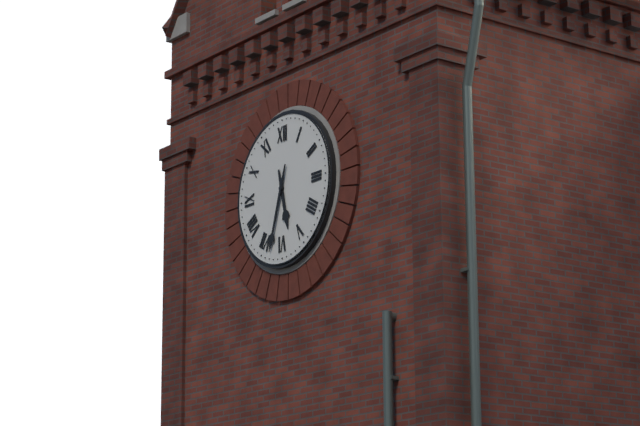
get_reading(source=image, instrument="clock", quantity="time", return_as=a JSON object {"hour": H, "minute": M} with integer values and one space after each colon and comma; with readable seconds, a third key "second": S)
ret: {"hour": 5, "minute": 33}
